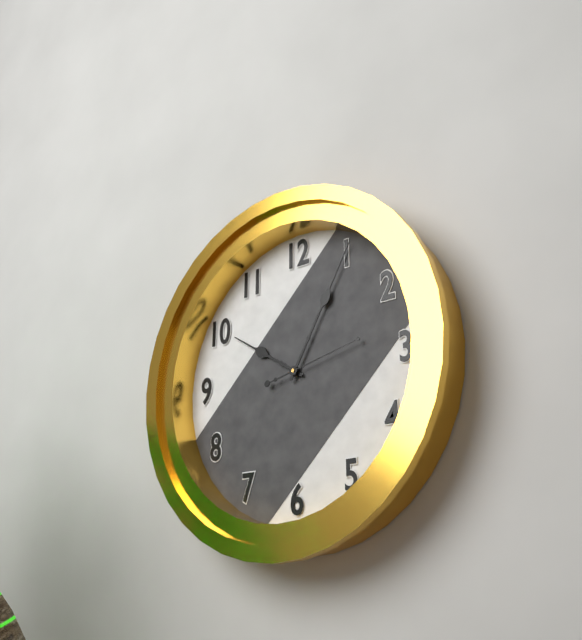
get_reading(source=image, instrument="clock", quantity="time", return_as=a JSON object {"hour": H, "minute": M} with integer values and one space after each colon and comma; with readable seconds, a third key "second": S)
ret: {"hour": 10, "minute": 5, "second": 13}
